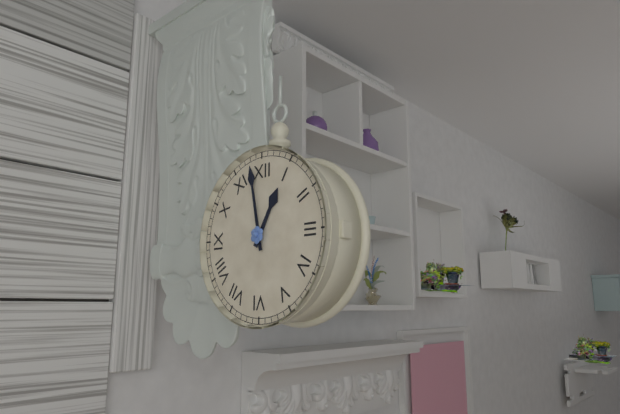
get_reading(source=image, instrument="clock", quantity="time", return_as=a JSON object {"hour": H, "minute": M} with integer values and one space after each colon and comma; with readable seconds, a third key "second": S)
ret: {"hour": 12, "minute": 58}
